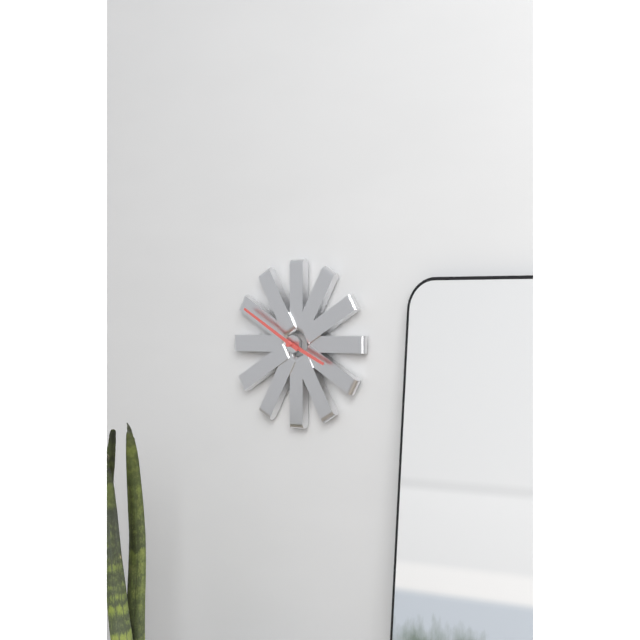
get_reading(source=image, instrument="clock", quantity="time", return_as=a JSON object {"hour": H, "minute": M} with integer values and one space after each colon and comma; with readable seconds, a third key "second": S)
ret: {"hour": 3, "minute": 50}
